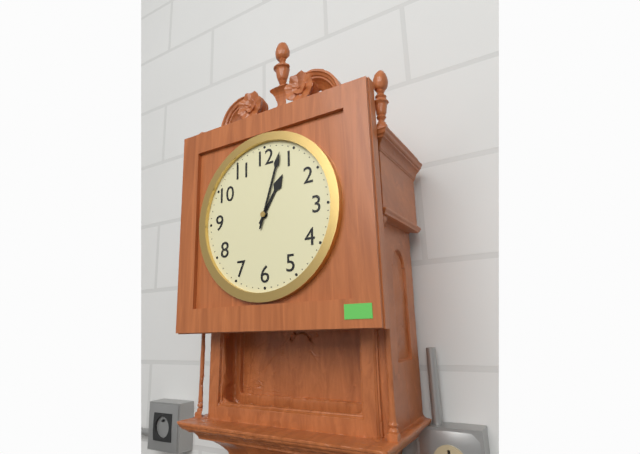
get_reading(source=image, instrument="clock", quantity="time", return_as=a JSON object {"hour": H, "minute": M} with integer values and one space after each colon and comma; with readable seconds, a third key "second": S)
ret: {"hour": 1, "minute": 3}
